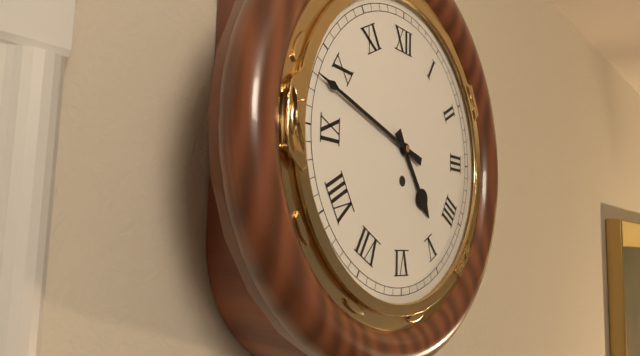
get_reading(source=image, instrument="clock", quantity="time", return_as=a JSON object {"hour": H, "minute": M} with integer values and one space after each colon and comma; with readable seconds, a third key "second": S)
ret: {"hour": 4, "minute": 48}
